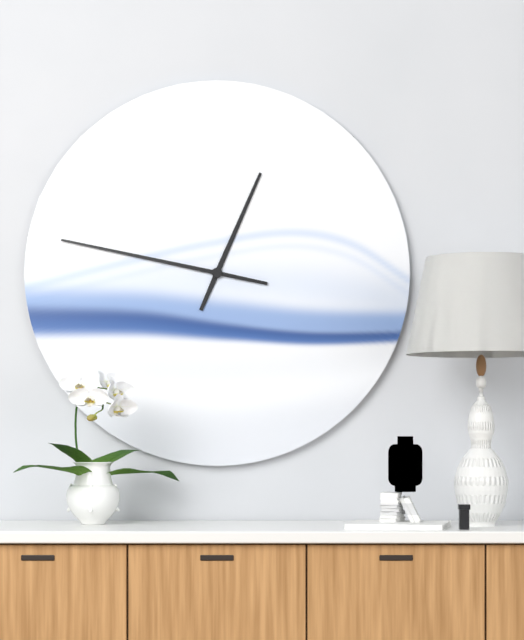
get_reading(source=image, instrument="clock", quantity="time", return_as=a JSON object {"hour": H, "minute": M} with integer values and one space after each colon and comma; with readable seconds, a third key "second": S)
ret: {"hour": 12, "minute": 47}
